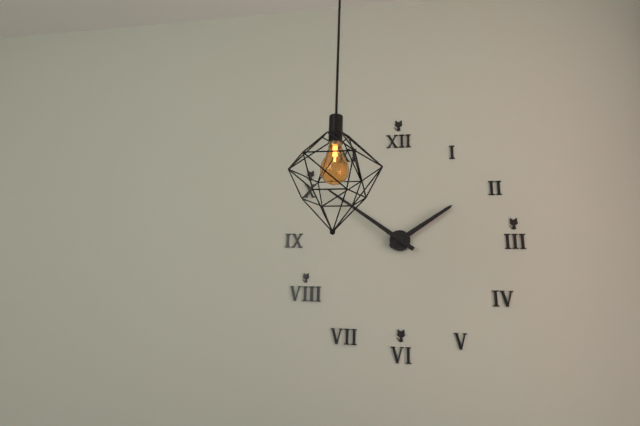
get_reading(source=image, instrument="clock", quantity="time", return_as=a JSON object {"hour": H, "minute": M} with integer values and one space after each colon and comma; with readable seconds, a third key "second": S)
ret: {"hour": 1, "minute": 51}
